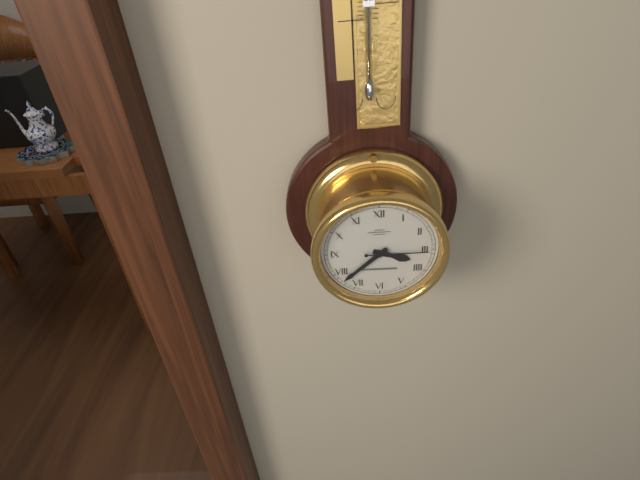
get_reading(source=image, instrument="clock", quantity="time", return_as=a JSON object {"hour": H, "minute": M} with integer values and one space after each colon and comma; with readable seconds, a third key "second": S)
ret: {"hour": 3, "minute": 38, "second": 15}
